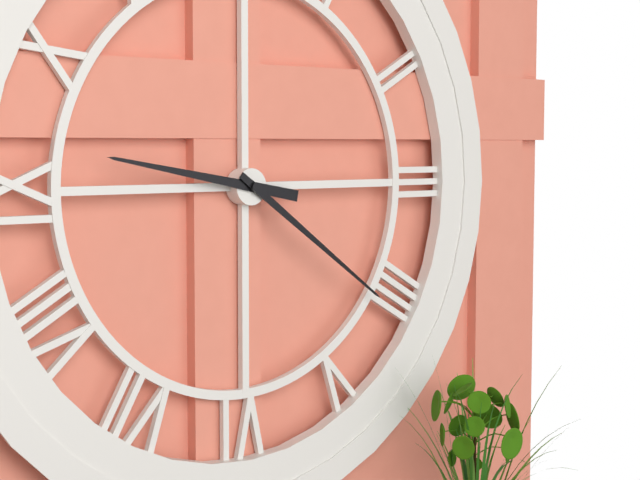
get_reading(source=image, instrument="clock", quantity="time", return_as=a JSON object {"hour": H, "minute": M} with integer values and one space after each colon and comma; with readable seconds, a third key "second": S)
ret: {"hour": 9, "minute": 21}
